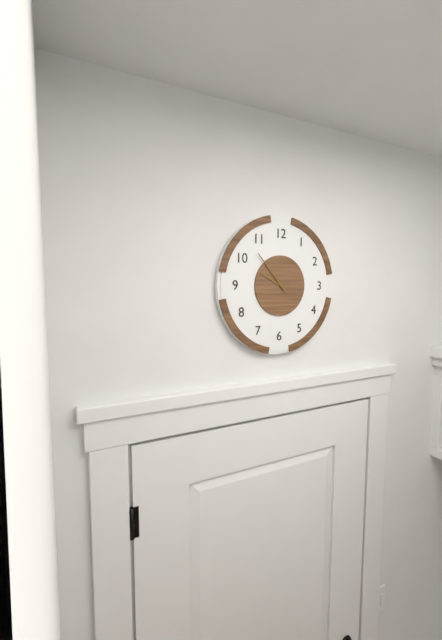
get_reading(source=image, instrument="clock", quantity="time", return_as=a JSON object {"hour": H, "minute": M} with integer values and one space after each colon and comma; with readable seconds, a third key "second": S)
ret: {"hour": 9, "minute": 53}
